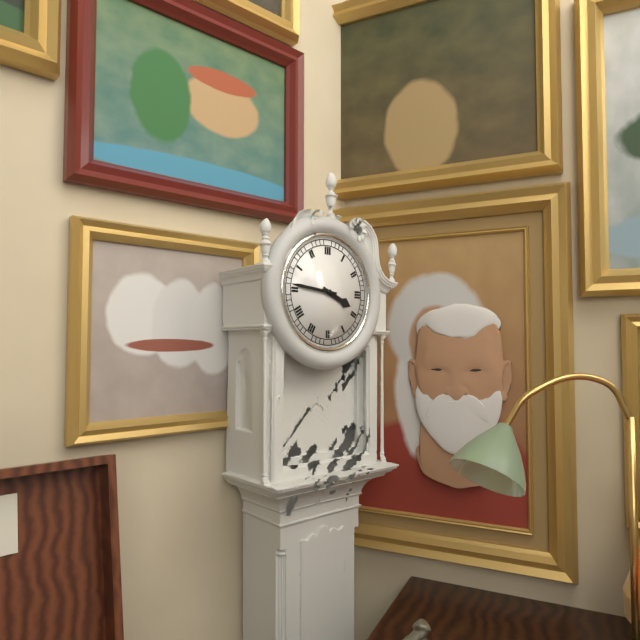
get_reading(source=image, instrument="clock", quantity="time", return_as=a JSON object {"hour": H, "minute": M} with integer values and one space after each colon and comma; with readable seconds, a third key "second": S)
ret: {"hour": 3, "minute": 46}
